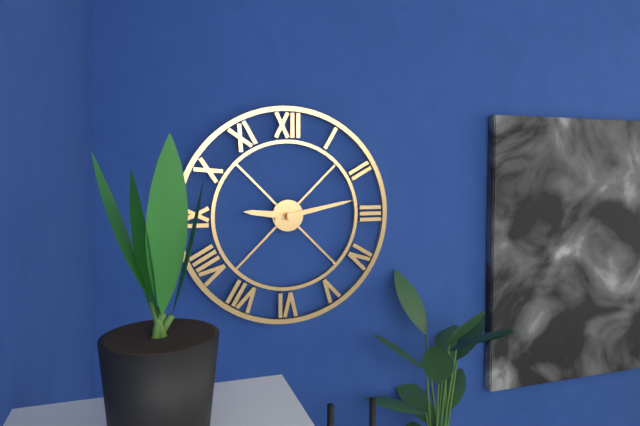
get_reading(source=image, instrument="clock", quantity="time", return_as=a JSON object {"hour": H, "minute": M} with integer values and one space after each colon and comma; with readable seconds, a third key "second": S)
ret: {"hour": 9, "minute": 13}
